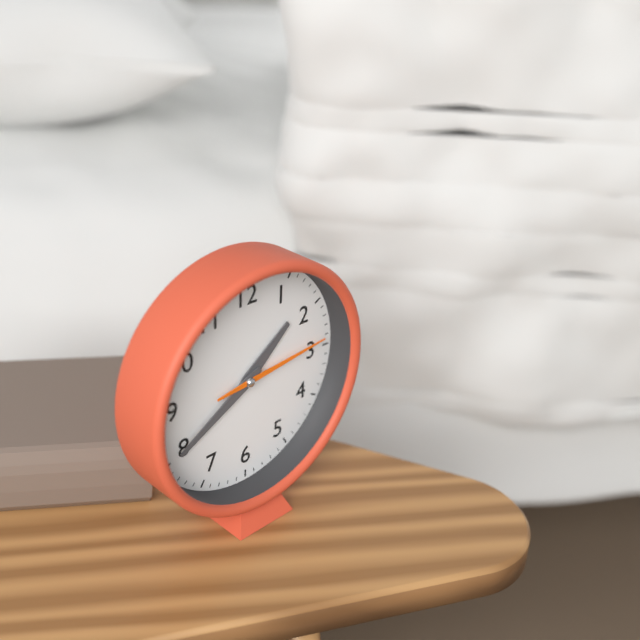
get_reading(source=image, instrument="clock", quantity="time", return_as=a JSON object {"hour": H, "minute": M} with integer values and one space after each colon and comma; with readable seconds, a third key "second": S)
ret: {"hour": 1, "minute": 40, "second": 14}
